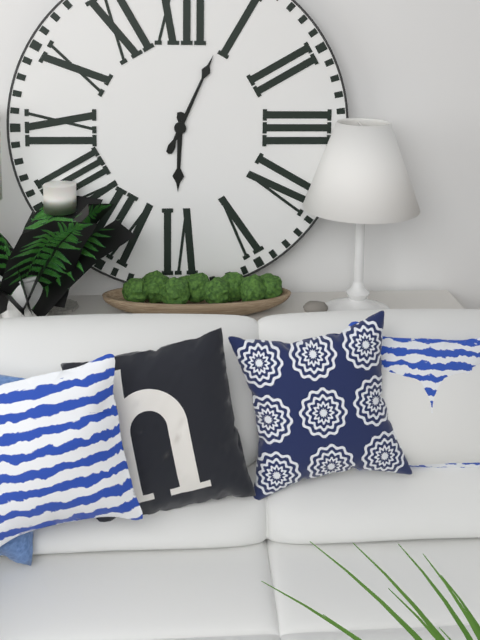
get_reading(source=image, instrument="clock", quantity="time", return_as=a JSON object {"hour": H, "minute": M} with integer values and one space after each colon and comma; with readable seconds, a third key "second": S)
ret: {"hour": 6, "minute": 4}
